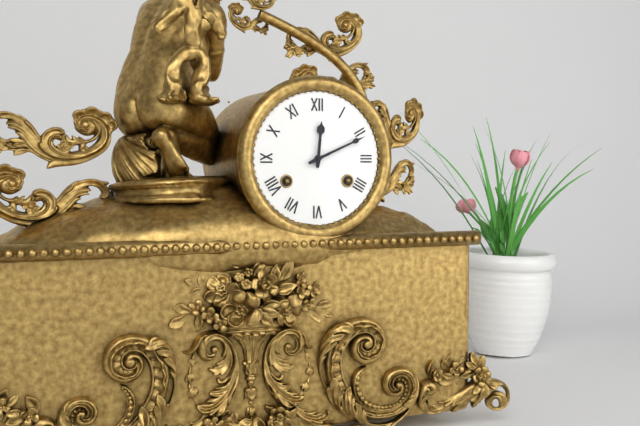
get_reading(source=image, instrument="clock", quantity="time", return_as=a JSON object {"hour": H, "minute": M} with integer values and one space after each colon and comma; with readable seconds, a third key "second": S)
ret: {"hour": 12, "minute": 11}
